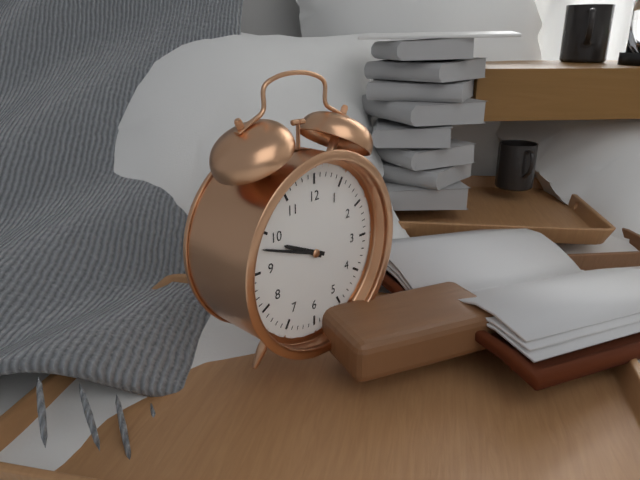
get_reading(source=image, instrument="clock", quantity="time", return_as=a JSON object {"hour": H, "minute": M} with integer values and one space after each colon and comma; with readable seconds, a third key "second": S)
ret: {"hour": 9, "minute": 48}
